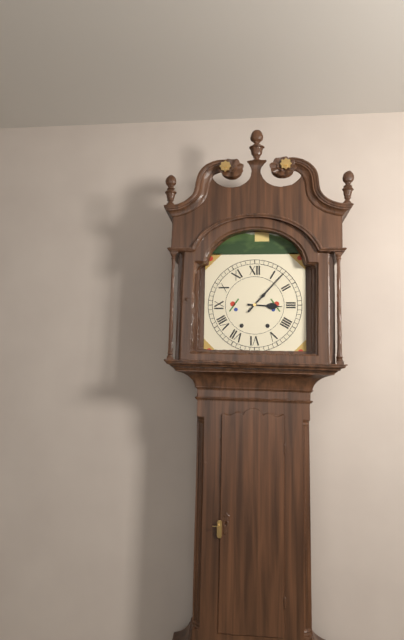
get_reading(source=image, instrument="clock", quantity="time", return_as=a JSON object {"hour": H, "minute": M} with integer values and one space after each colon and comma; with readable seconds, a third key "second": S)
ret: {"hour": 3, "minute": 7}
